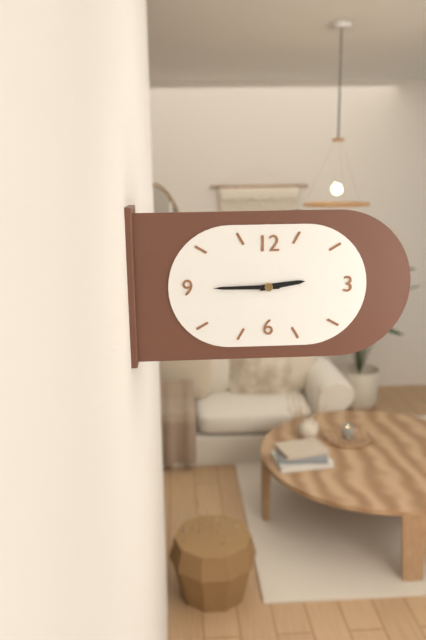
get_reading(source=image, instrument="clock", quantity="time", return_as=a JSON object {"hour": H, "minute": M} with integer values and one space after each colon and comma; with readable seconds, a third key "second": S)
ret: {"hour": 2, "minute": 45}
